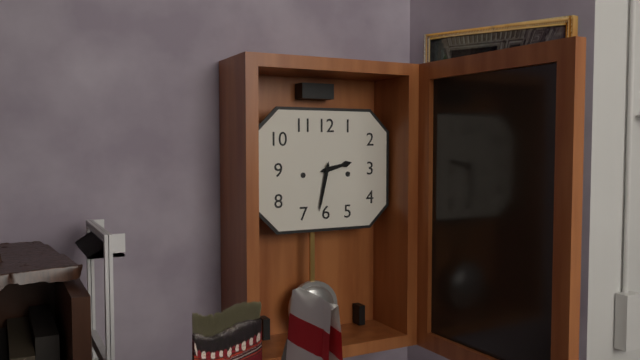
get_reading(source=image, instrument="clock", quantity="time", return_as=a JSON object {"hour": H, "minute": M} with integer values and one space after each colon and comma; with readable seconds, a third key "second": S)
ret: {"hour": 2, "minute": 32}
